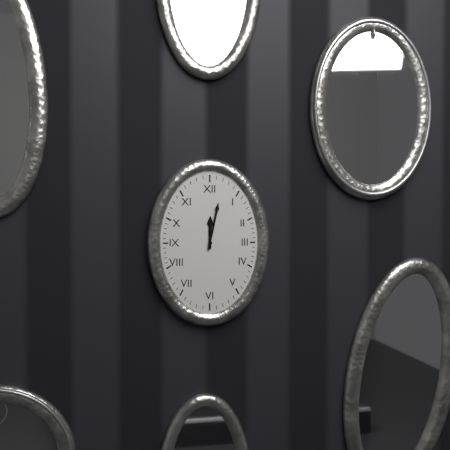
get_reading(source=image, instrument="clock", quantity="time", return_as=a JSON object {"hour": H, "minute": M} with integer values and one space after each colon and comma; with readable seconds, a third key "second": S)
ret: {"hour": 12, "minute": 2}
